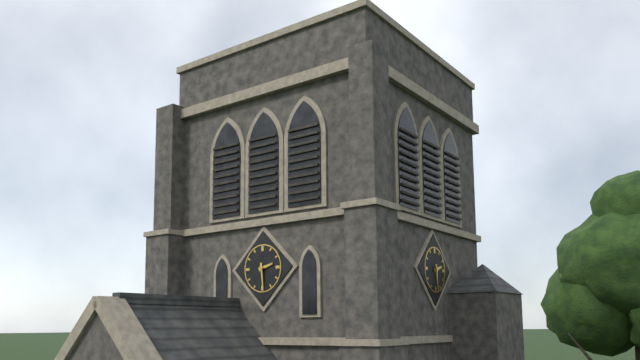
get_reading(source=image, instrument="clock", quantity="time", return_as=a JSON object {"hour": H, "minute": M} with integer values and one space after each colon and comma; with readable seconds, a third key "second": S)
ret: {"hour": 2, "minute": 29}
